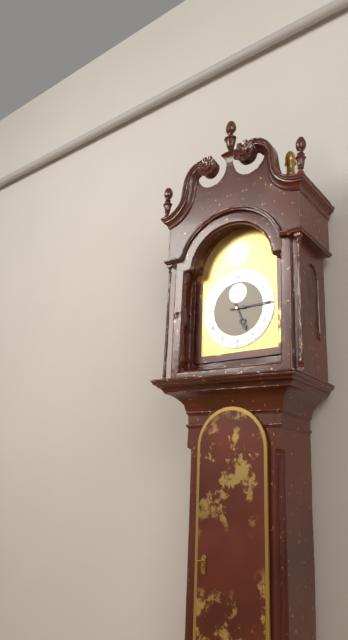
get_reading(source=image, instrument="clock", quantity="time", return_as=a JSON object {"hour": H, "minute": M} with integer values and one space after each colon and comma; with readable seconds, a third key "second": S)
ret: {"hour": 5, "minute": 15}
